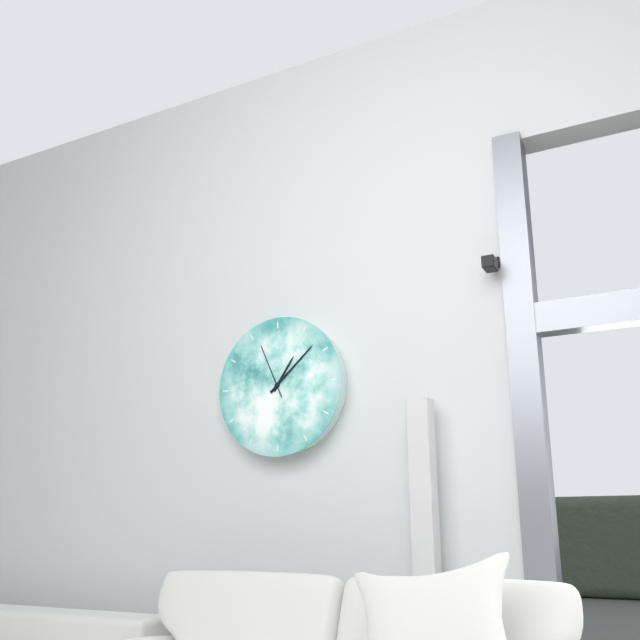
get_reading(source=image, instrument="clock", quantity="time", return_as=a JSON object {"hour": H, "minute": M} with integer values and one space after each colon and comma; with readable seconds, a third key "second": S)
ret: {"hour": 1, "minute": 8, "second": 56}
